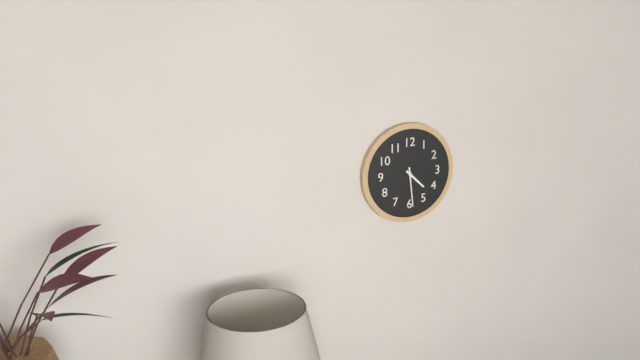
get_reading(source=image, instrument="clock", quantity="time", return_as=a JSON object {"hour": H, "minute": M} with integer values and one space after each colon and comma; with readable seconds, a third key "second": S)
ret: {"hour": 4, "minute": 29}
